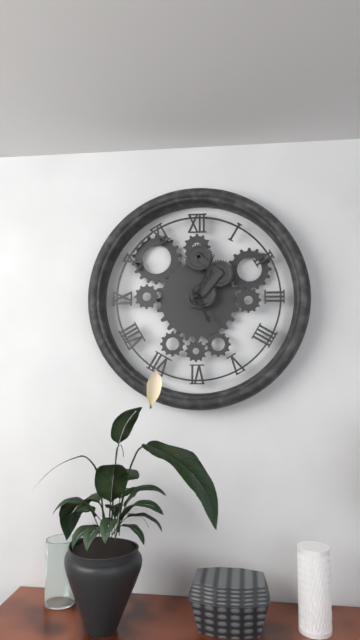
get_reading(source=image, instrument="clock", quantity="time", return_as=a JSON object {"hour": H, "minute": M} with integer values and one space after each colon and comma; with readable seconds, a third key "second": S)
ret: {"hour": 5, "minute": 4}
